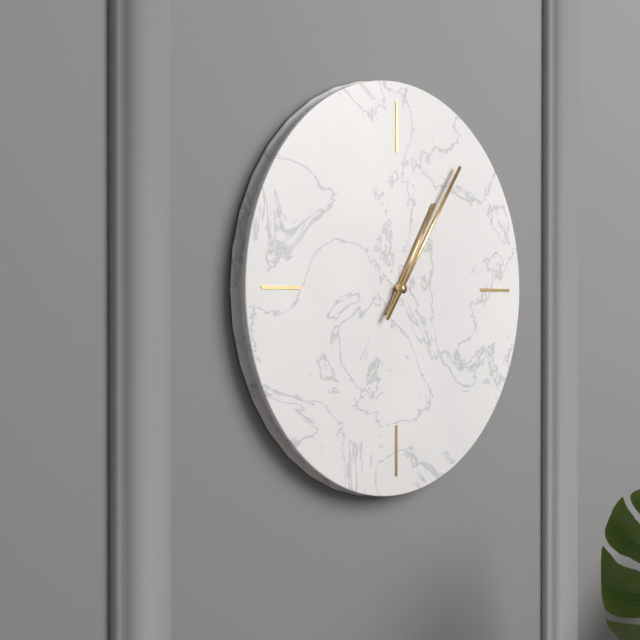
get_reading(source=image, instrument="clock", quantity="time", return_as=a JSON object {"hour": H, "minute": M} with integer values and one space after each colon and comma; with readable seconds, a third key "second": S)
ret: {"hour": 1, "minute": 6}
